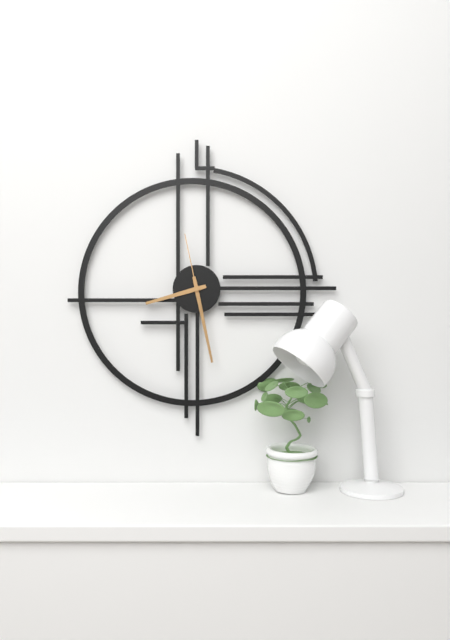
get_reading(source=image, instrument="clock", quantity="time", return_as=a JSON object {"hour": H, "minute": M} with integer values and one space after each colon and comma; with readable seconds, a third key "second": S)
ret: {"hour": 8, "minute": 28, "second": 58}
